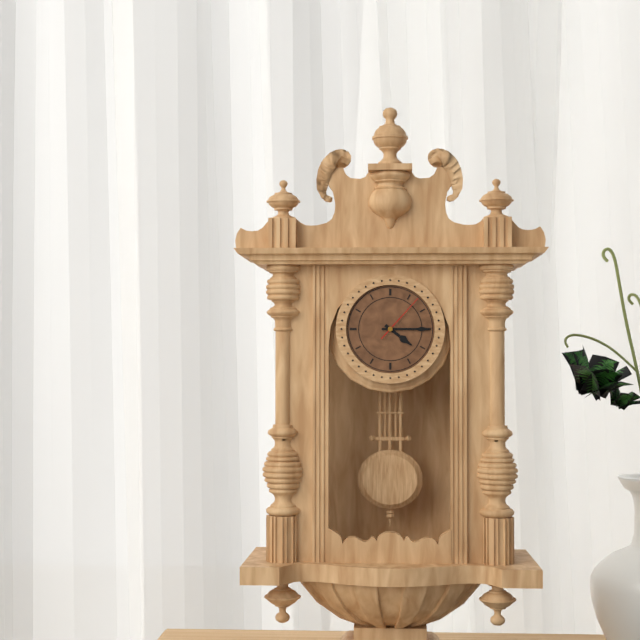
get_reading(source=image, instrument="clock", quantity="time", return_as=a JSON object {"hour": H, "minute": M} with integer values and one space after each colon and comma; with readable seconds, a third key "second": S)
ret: {"hour": 4, "minute": 15, "second": 7}
